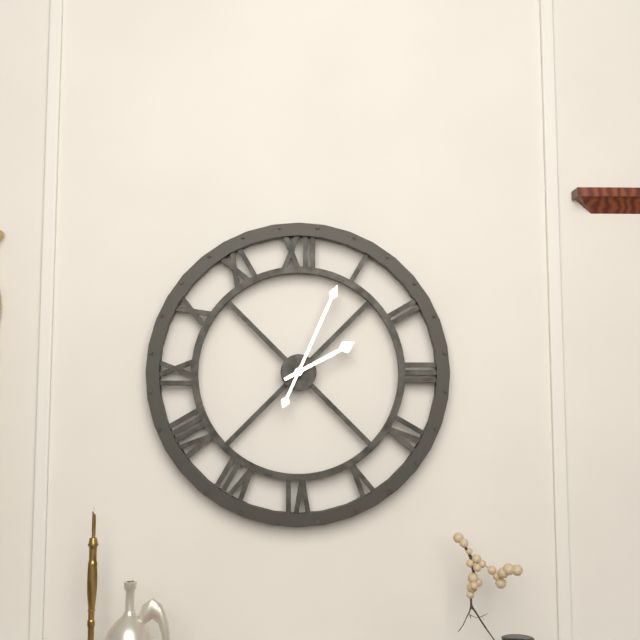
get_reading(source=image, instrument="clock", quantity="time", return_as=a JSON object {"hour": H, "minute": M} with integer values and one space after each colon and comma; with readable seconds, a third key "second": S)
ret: {"hour": 2, "minute": 4}
